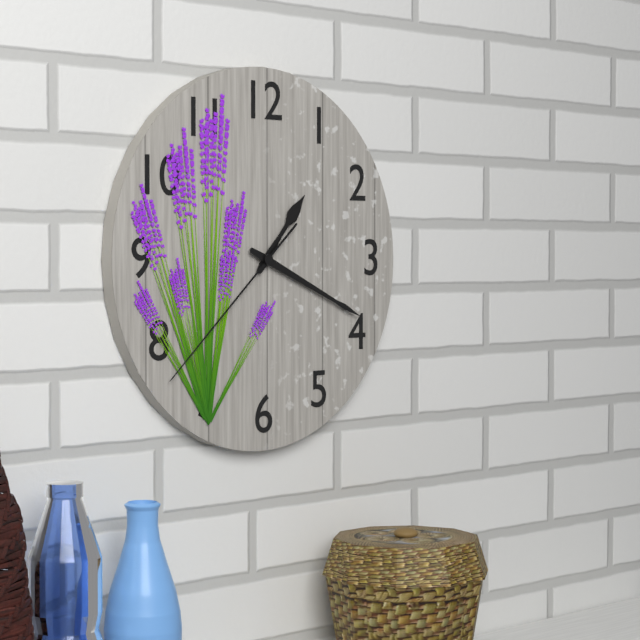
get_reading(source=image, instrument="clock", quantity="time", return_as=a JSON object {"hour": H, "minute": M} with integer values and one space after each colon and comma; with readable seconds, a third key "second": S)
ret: {"hour": 1, "minute": 19, "second": 38}
